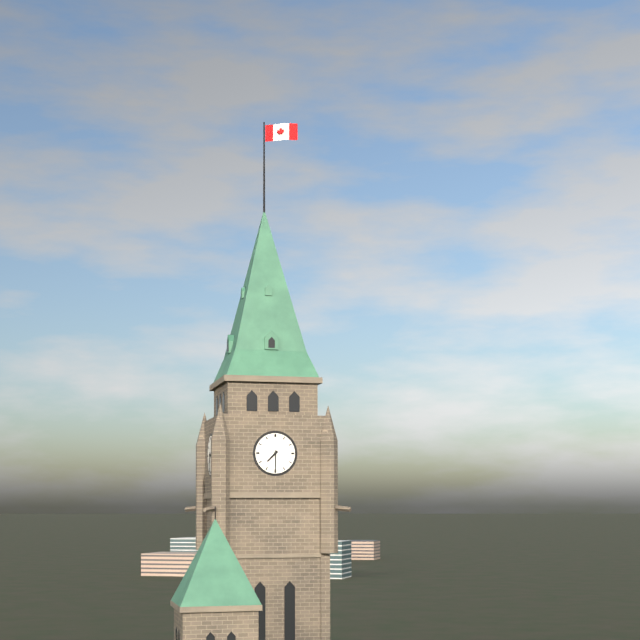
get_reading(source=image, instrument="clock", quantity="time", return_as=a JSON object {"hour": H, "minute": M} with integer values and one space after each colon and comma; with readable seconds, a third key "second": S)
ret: {"hour": 7, "minute": 30}
